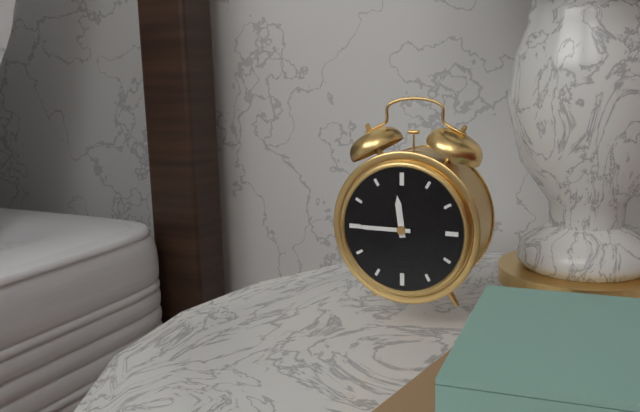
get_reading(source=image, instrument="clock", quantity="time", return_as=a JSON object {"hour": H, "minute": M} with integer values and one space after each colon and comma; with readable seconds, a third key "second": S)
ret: {"hour": 11, "minute": 45}
